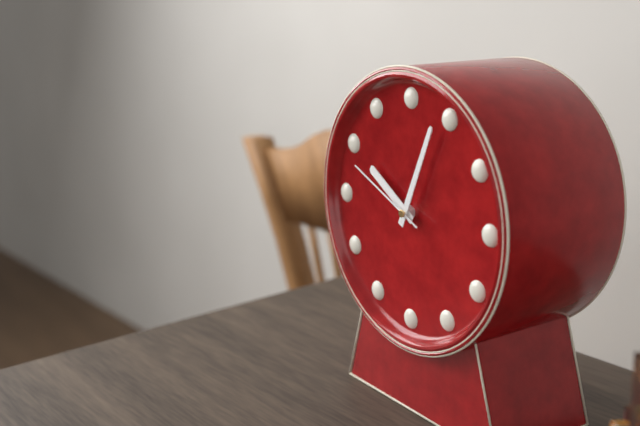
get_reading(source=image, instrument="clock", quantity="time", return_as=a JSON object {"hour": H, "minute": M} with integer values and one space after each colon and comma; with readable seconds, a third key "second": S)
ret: {"hour": 10, "minute": 4, "second": 49}
